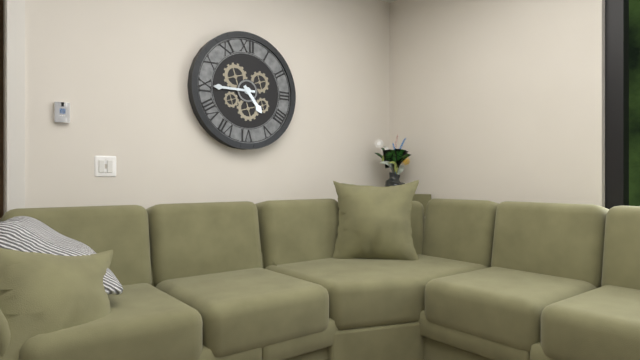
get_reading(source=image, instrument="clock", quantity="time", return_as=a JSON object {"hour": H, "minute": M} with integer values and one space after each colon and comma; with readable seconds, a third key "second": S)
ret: {"hour": 4, "minute": 45}
